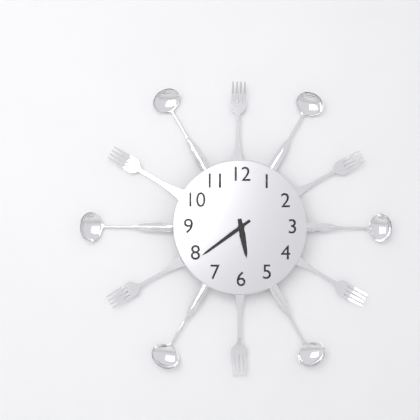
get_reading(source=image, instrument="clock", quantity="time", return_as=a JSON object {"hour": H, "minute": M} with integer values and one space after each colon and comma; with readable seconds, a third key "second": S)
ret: {"hour": 5, "minute": 39}
